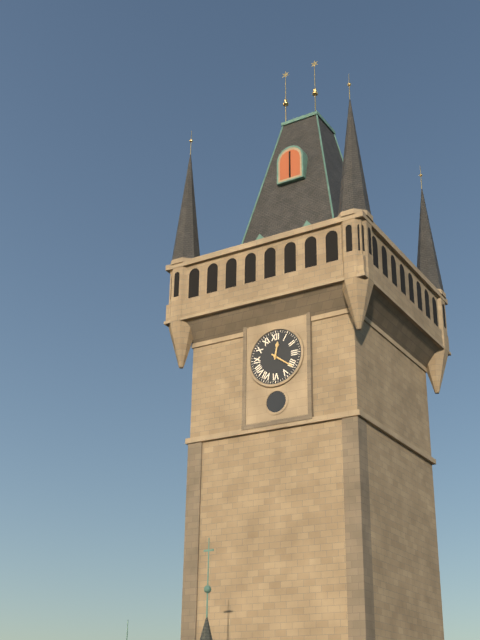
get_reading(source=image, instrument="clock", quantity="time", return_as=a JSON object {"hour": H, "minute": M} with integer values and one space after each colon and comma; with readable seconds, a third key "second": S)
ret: {"hour": 12, "minute": 21}
